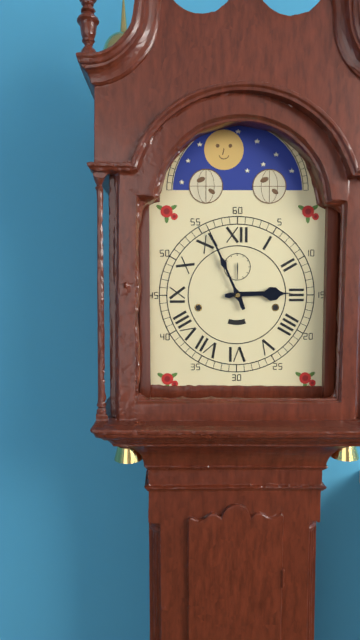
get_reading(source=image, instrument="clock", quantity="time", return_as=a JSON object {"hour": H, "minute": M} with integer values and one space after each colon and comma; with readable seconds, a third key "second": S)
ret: {"hour": 2, "minute": 56}
